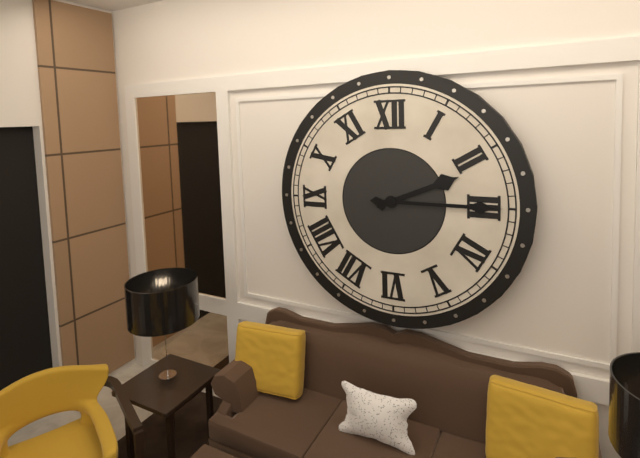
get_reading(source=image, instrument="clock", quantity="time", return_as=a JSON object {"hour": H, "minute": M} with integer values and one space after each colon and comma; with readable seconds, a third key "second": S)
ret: {"hour": 2, "minute": 15}
